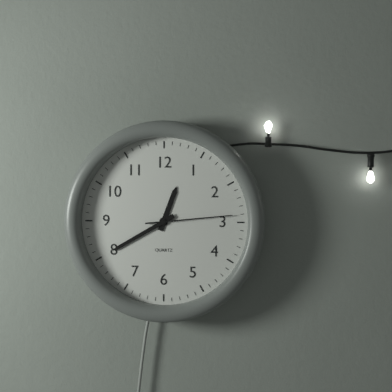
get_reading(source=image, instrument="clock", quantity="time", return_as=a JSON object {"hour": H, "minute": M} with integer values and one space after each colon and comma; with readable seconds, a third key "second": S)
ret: {"hour": 12, "minute": 40, "second": 14}
